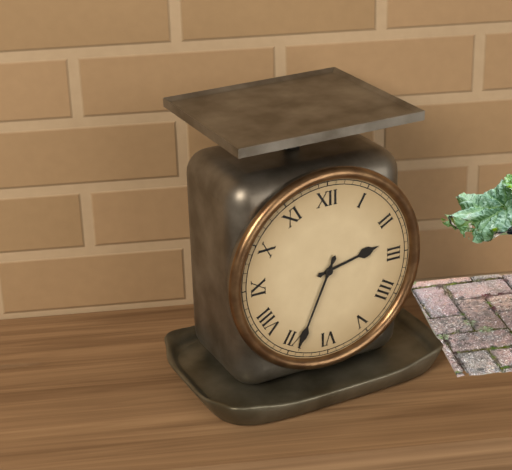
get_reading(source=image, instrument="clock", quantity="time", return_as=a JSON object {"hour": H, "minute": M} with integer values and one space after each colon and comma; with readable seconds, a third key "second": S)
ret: {"hour": 2, "minute": 34}
